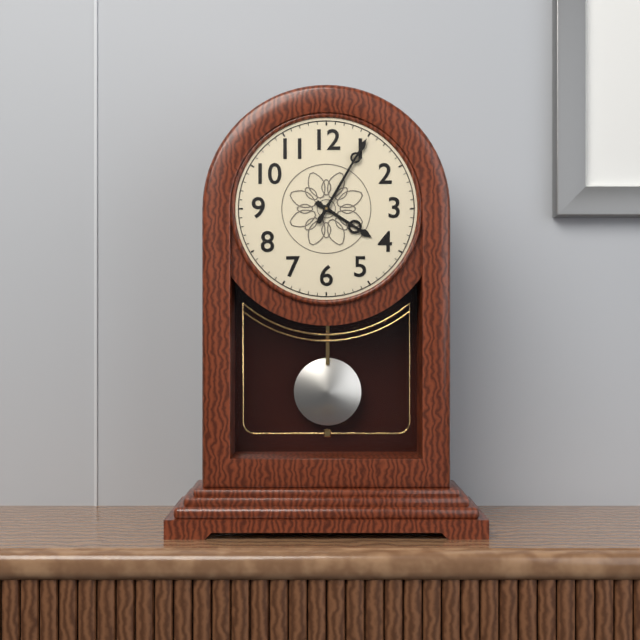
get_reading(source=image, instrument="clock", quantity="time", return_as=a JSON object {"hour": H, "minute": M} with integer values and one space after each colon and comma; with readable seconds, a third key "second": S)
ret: {"hour": 4, "minute": 5}
